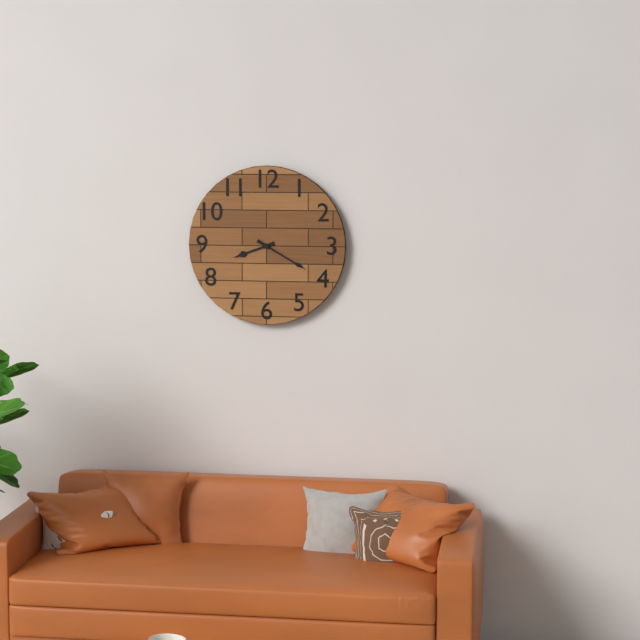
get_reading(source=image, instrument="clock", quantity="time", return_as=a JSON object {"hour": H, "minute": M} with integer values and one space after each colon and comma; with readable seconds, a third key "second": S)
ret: {"hour": 8, "minute": 20}
